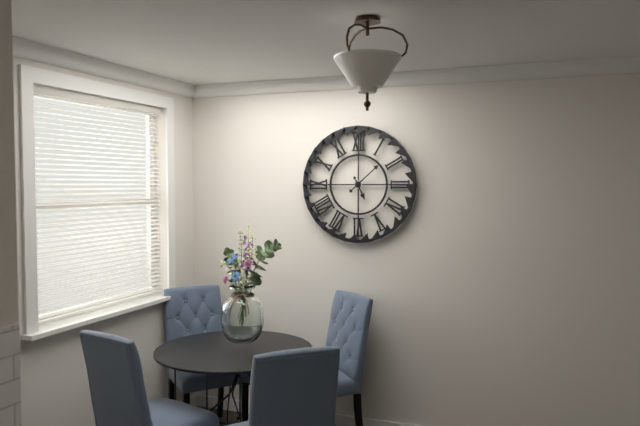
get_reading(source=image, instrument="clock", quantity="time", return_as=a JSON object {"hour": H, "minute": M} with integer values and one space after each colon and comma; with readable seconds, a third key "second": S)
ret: {"hour": 5, "minute": 8}
